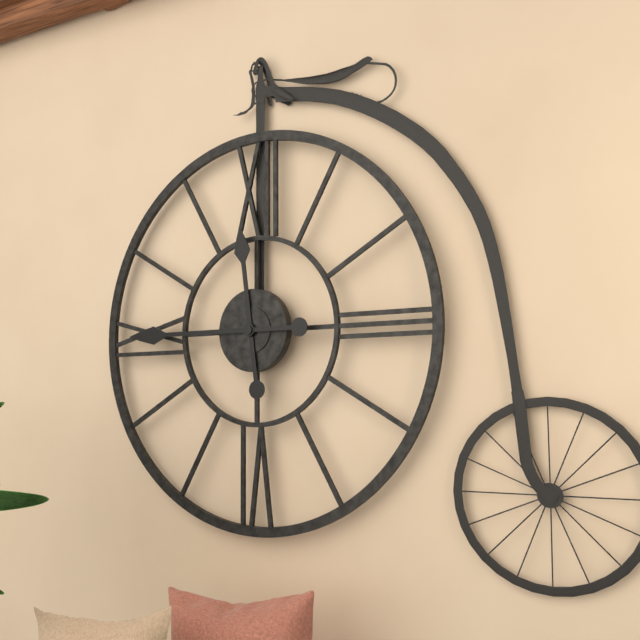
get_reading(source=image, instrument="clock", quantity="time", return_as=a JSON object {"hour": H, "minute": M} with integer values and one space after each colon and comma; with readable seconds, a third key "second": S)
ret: {"hour": 11, "minute": 45}
